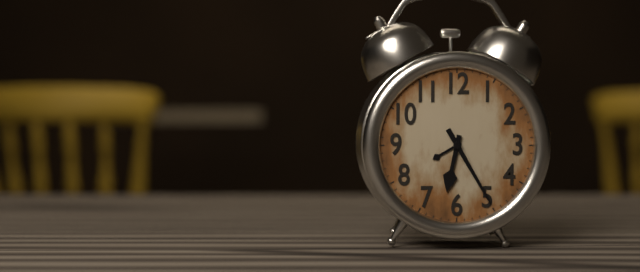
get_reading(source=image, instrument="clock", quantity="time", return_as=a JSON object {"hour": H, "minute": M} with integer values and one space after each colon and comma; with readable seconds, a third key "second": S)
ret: {"hour": 6, "minute": 25}
